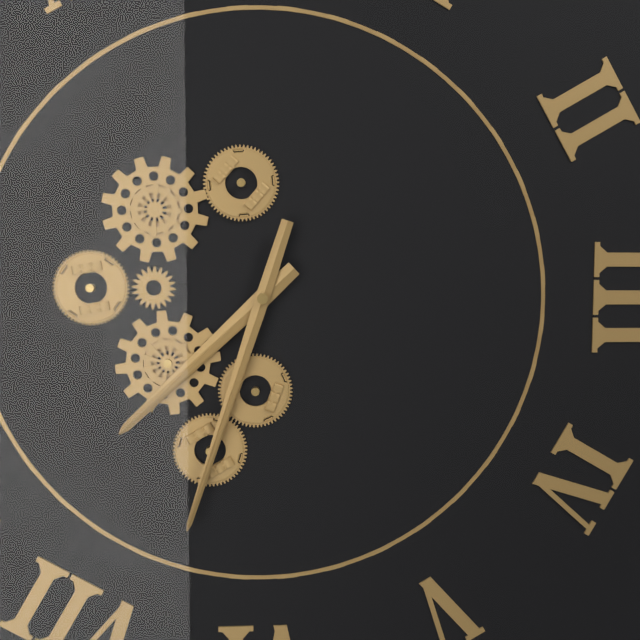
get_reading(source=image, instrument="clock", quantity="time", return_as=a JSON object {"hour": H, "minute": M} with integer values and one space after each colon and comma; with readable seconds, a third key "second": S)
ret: {"hour": 7, "minute": 33}
